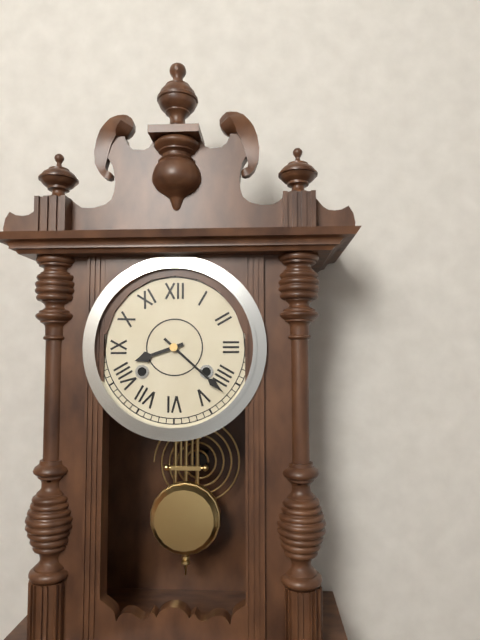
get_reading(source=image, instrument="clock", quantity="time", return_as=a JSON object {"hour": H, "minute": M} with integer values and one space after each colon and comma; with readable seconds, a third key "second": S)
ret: {"hour": 8, "minute": 22}
